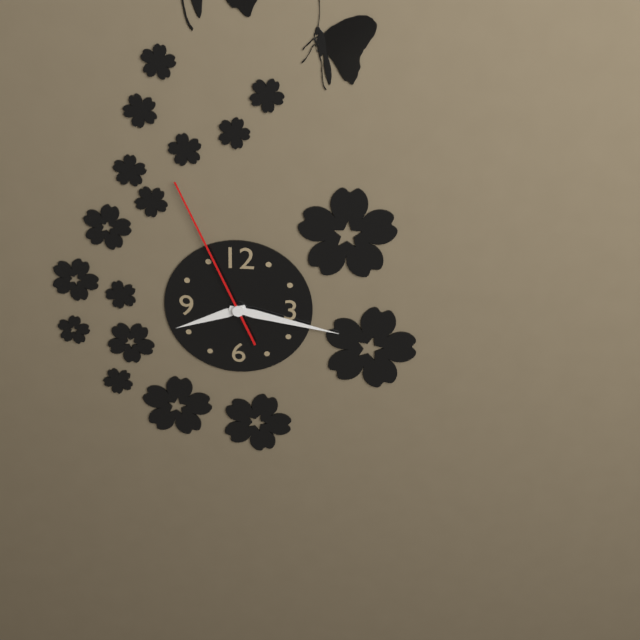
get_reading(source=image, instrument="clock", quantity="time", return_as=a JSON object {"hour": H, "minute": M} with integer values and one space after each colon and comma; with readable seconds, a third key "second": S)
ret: {"hour": 8, "minute": 17, "second": 56}
